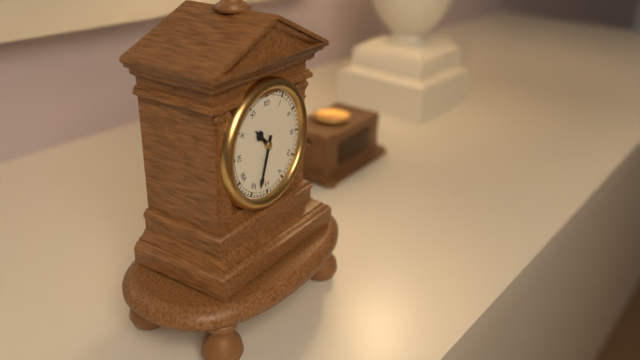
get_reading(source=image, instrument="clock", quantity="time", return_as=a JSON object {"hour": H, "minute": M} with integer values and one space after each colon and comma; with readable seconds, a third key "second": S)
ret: {"hour": 10, "minute": 33}
